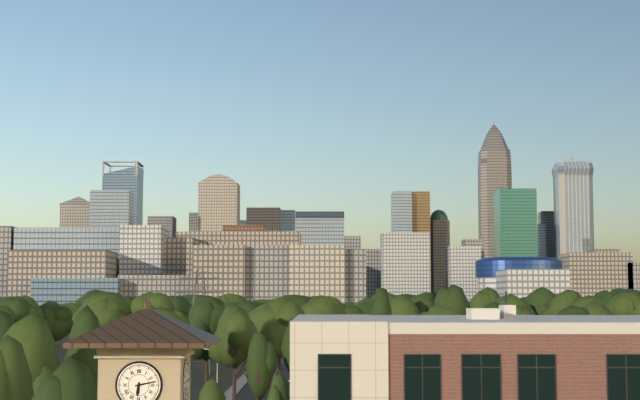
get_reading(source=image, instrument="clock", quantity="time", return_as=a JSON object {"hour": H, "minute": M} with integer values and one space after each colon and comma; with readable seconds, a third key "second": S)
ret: {"hour": 6, "minute": 13}
